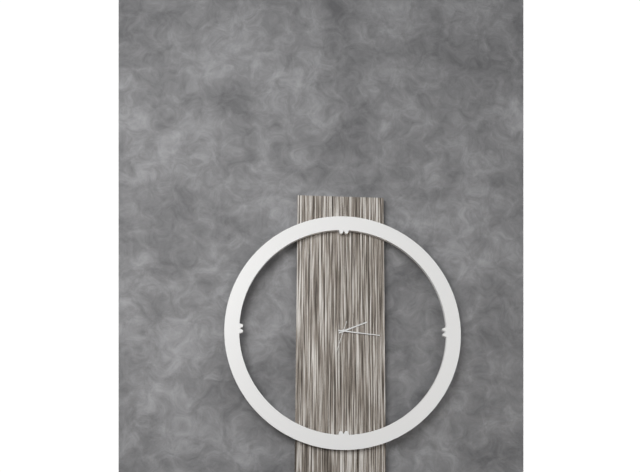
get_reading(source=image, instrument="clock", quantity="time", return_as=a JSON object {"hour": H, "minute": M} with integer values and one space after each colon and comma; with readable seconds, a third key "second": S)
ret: {"hour": 2, "minute": 16}
